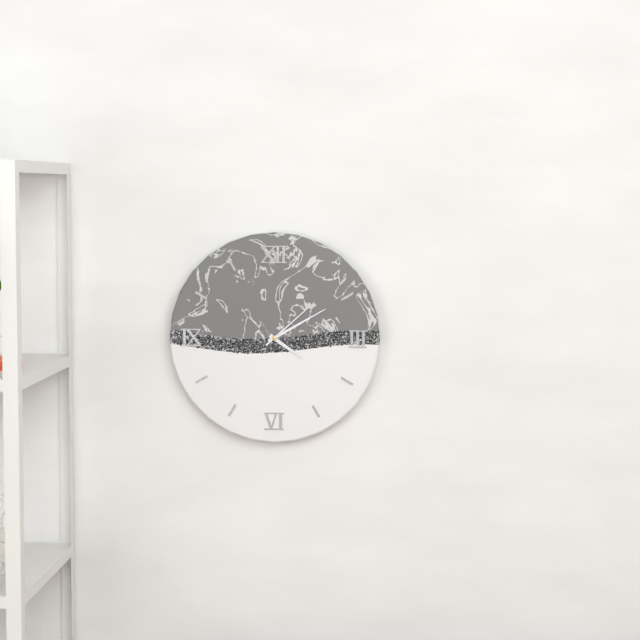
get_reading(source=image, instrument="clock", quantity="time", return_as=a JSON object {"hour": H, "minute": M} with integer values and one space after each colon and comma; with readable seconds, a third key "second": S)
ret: {"hour": 4, "minute": 10, "second": 8}
